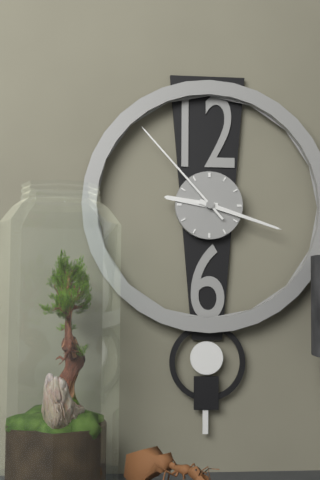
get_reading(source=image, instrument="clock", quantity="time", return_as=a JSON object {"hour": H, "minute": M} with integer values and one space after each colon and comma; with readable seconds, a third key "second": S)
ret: {"hour": 9, "minute": 18, "second": 53}
